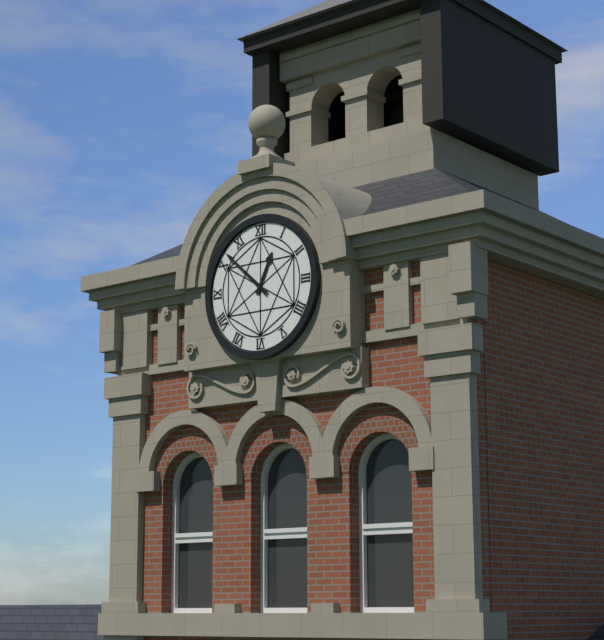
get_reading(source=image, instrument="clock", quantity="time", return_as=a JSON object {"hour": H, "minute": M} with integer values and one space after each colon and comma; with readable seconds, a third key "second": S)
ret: {"hour": 12, "minute": 52}
